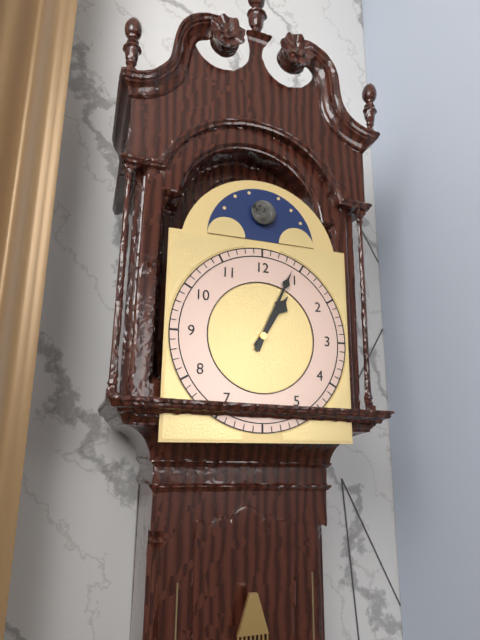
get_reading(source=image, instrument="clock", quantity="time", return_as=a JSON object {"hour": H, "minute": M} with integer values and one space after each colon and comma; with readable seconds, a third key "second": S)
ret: {"hour": 1, "minute": 4}
